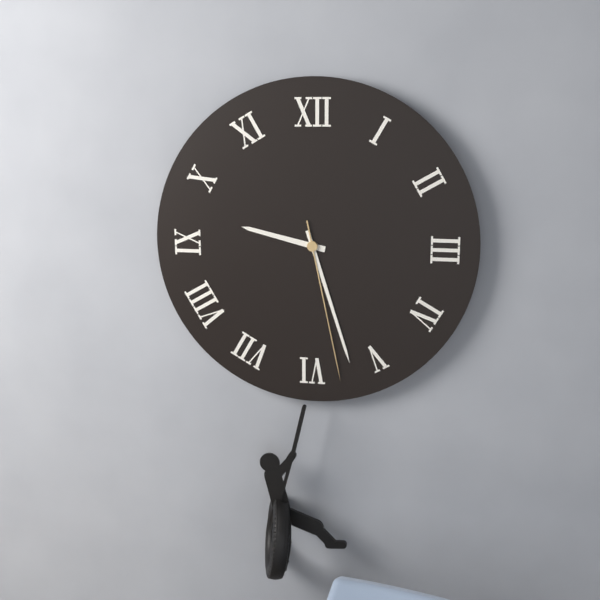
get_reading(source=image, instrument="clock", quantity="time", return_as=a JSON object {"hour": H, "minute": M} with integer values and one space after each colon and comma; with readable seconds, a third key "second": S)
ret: {"hour": 9, "minute": 27, "second": 28}
